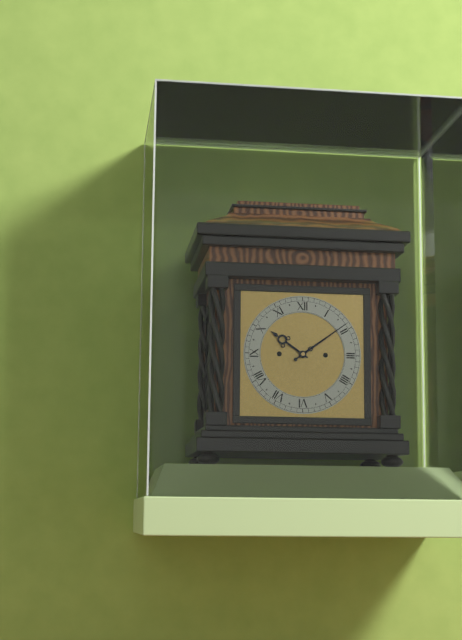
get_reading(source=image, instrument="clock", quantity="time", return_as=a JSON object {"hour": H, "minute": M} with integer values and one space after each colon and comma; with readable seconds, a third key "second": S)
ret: {"hour": 10, "minute": 9}
